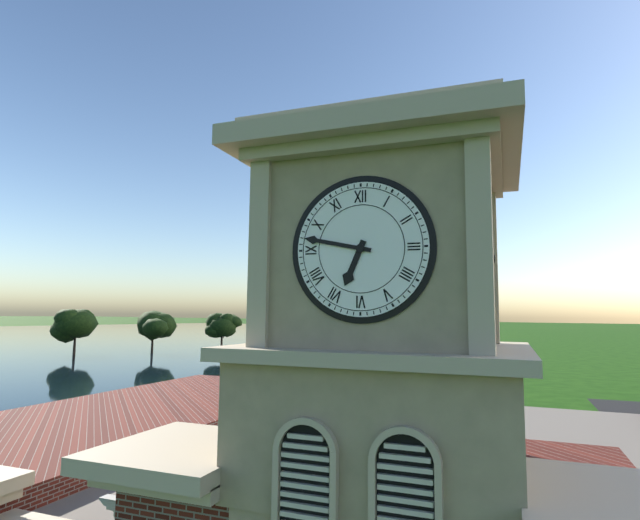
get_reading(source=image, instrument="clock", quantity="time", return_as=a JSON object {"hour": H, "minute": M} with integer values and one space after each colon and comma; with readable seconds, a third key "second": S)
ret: {"hour": 6, "minute": 47}
